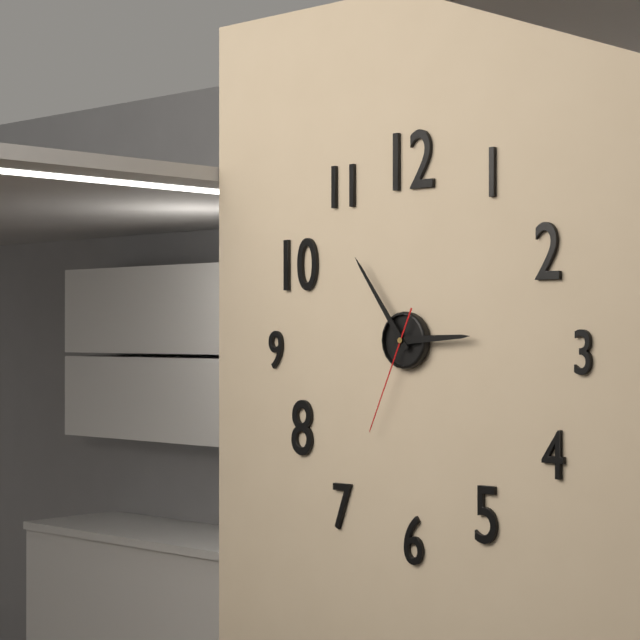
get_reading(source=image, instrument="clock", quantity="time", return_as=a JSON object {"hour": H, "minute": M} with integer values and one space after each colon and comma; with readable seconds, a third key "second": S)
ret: {"hour": 2, "minute": 54, "second": 34}
